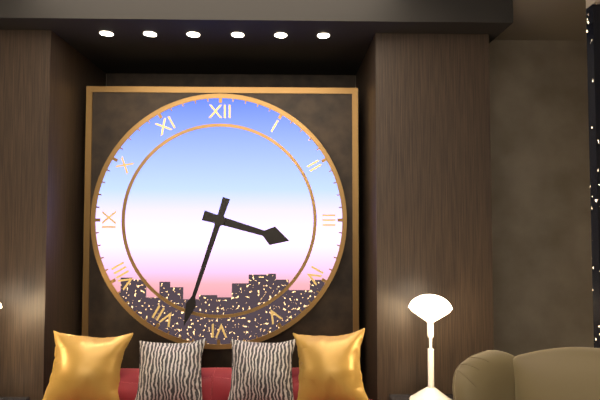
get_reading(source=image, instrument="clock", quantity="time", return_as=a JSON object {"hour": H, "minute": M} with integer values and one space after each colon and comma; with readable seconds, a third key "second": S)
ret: {"hour": 3, "minute": 33}
